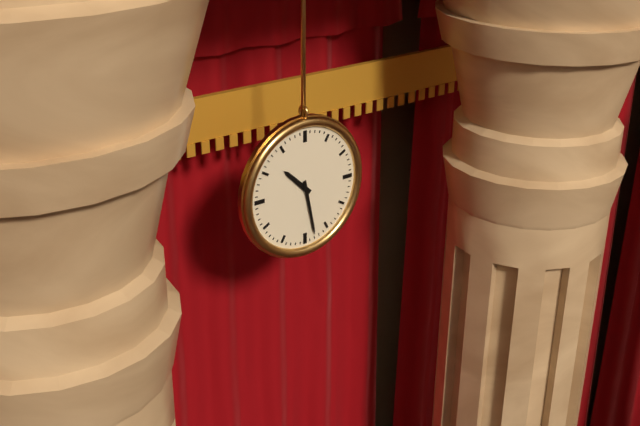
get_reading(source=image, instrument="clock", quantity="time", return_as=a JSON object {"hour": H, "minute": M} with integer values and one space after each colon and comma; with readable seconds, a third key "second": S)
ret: {"hour": 10, "minute": 28}
